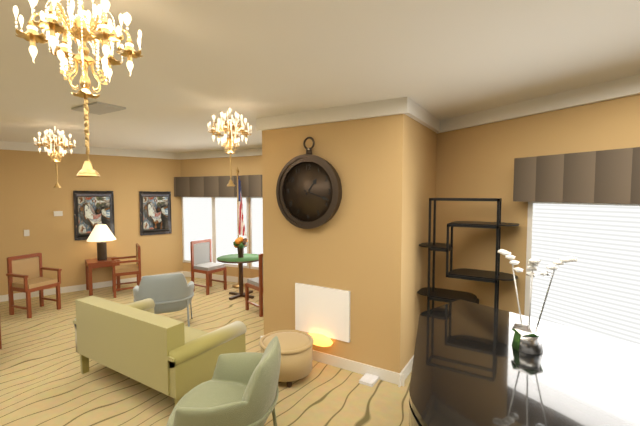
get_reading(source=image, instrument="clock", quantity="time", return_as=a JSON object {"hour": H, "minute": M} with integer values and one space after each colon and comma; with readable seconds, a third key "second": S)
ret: {"hour": 1, "minute": 18}
